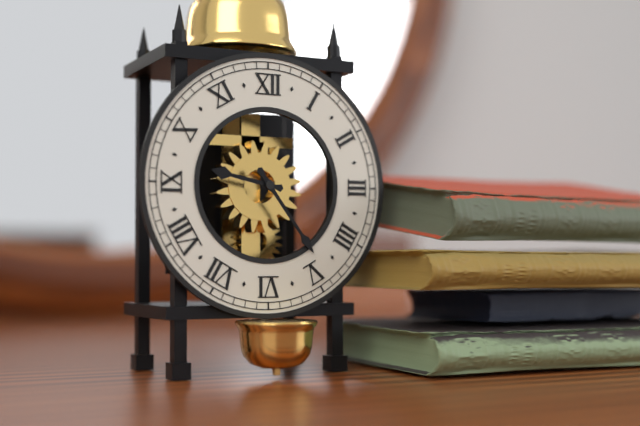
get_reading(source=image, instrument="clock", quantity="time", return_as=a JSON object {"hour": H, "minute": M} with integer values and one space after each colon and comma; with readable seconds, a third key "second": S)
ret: {"hour": 9, "minute": 24}
